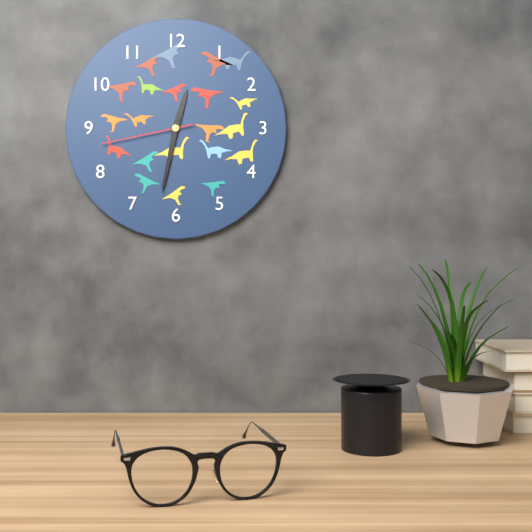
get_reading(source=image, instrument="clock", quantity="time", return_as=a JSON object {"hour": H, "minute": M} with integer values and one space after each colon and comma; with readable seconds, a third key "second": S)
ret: {"hour": 12, "minute": 32, "second": 43}
